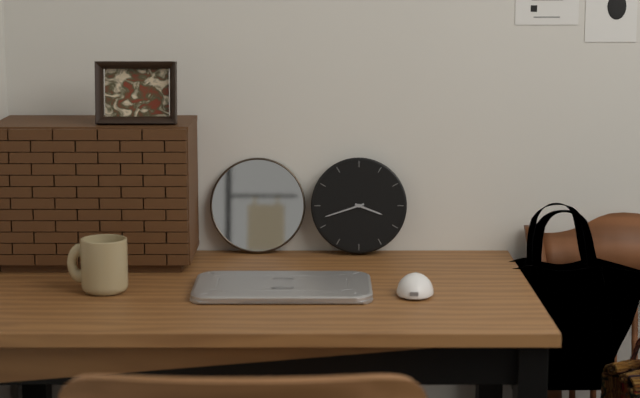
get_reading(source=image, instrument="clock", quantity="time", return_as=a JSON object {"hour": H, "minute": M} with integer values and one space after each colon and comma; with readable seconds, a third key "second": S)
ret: {"hour": 3, "minute": 42}
